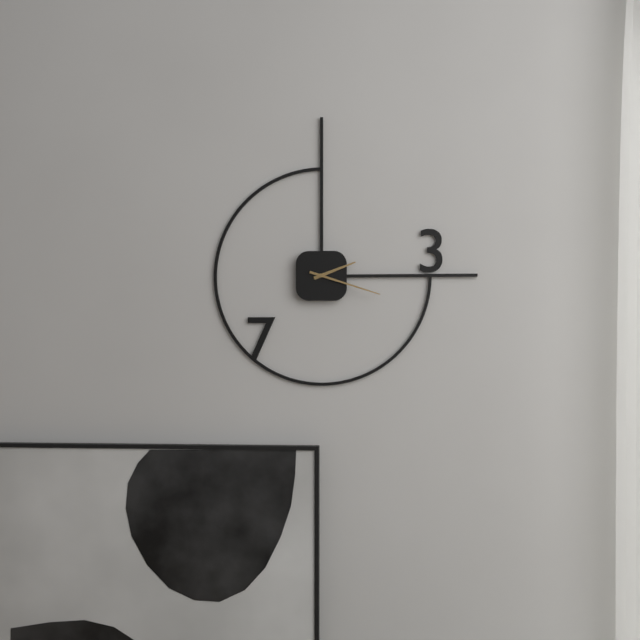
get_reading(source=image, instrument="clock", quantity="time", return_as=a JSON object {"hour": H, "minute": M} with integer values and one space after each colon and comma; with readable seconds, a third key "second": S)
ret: {"hour": 2, "minute": 18}
